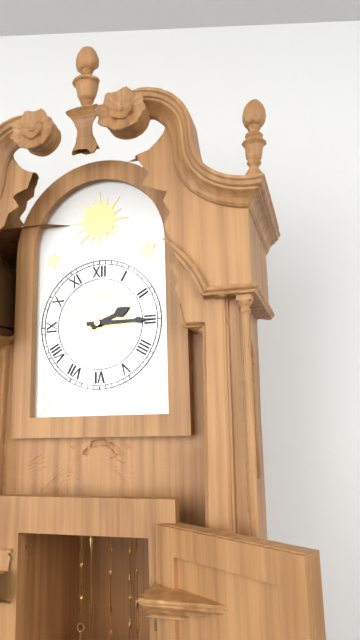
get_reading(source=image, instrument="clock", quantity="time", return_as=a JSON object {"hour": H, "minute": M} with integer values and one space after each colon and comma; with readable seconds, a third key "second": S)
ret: {"hour": 2, "minute": 15}
